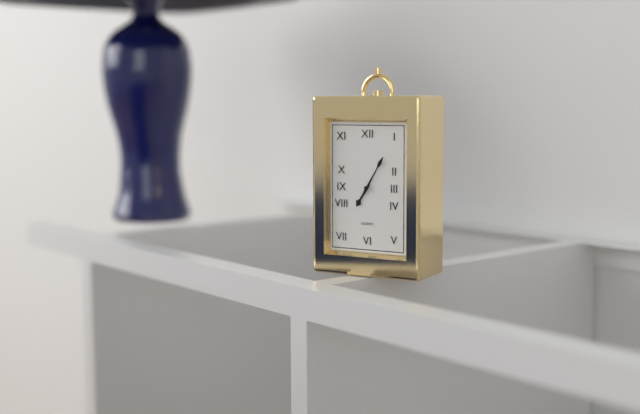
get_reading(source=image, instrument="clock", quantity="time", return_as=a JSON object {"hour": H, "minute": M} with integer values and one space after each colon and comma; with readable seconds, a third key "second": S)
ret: {"hour": 7, "minute": 5}
